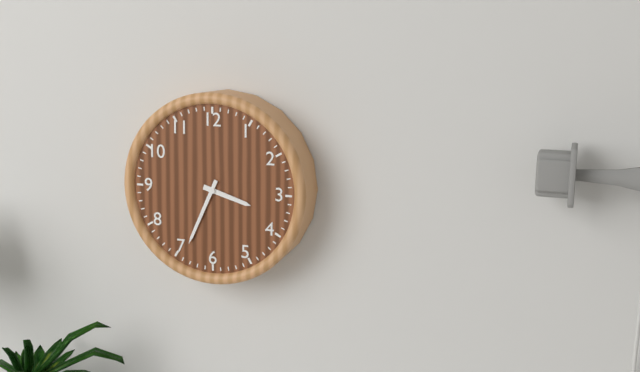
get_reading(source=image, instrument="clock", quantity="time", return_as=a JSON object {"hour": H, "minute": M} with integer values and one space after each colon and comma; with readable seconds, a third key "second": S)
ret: {"hour": 3, "minute": 34}
